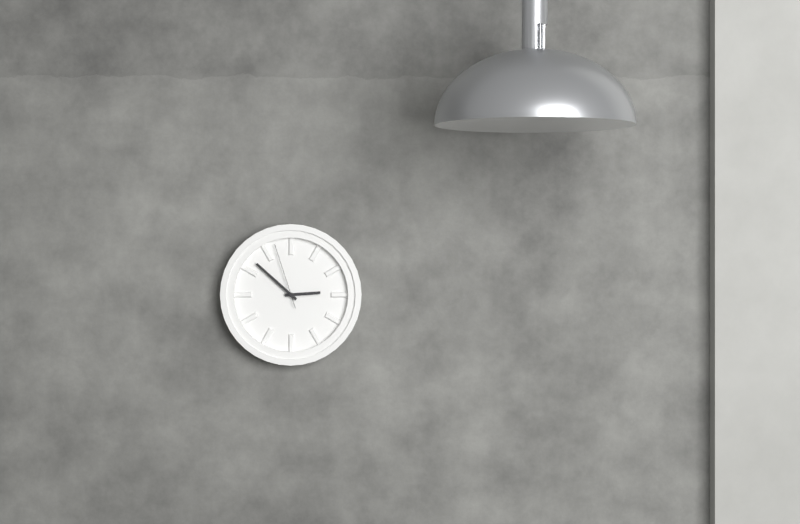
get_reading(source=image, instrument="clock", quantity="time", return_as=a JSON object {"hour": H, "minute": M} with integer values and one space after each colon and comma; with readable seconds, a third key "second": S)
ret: {"hour": 2, "minute": 52, "second": 57}
